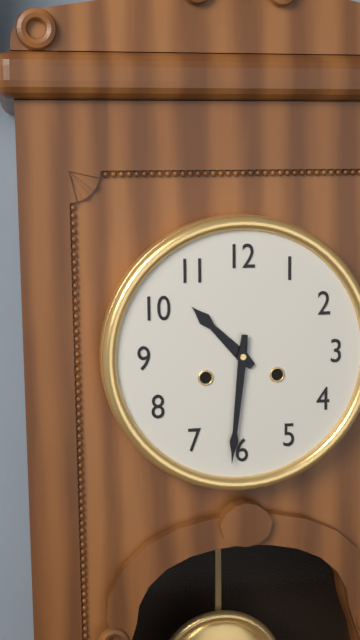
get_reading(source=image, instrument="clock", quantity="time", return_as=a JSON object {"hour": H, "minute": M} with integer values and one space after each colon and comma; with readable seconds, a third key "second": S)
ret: {"hour": 10, "minute": 31}
